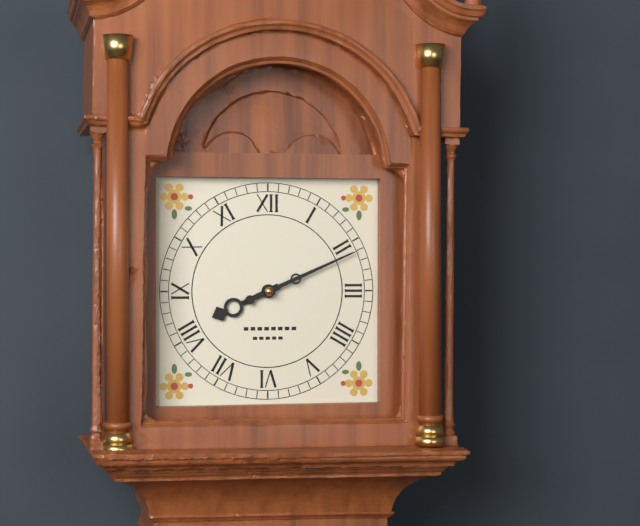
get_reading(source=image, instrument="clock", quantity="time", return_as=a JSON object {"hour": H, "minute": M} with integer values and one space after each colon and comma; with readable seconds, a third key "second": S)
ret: {"hour": 8, "minute": 11}
